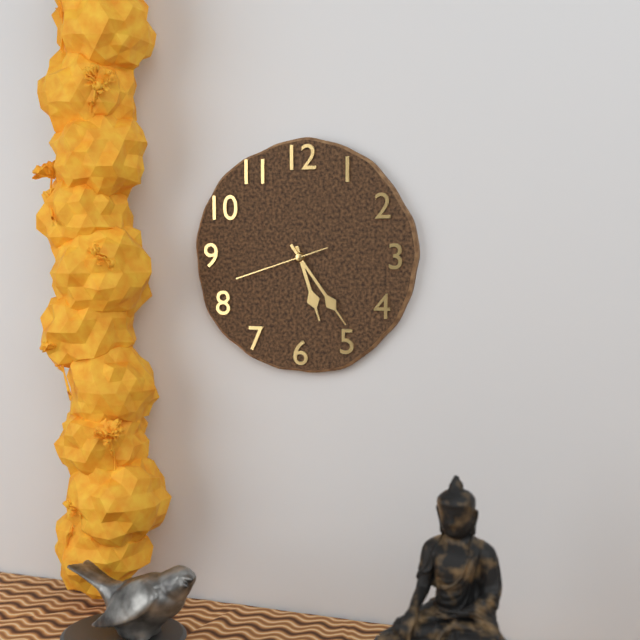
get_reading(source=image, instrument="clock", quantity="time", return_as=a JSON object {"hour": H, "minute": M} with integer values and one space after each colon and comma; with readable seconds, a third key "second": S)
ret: {"hour": 5, "minute": 24, "second": 42}
